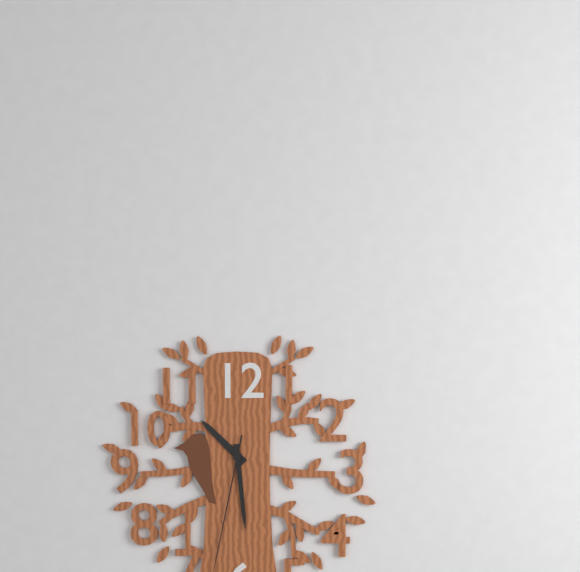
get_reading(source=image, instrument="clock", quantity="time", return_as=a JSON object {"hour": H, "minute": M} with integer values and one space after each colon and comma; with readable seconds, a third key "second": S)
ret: {"hour": 10, "minute": 29}
